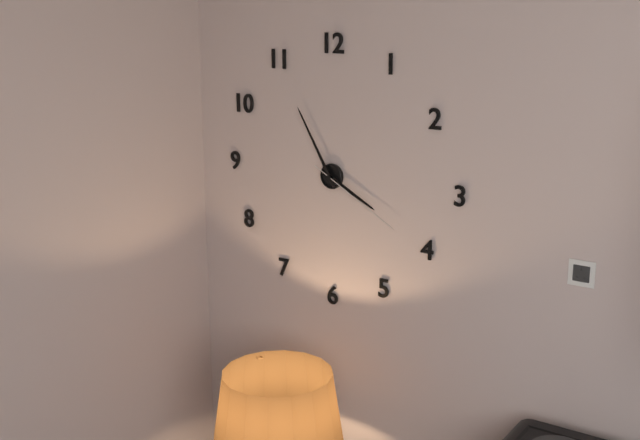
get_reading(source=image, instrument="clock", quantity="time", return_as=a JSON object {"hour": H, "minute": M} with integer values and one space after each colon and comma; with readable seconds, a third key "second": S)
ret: {"hour": 3, "minute": 55, "second": 20}
